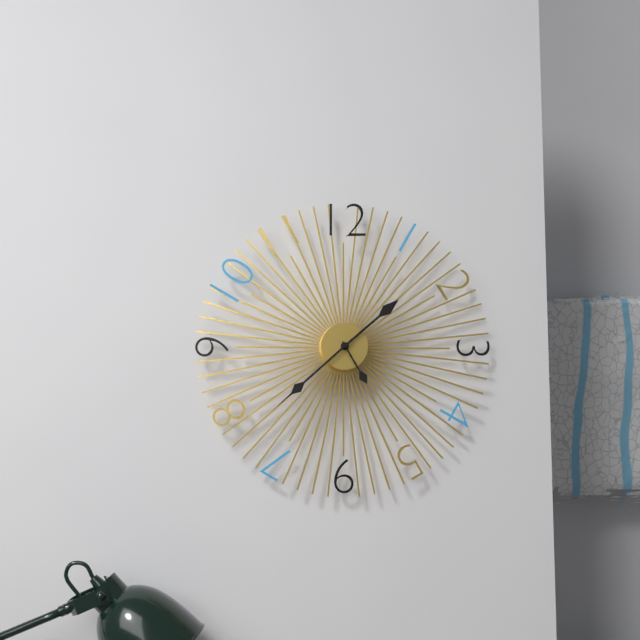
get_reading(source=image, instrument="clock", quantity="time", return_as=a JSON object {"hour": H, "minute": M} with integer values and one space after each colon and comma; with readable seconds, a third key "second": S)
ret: {"hour": 1, "minute": 38, "second": 25}
